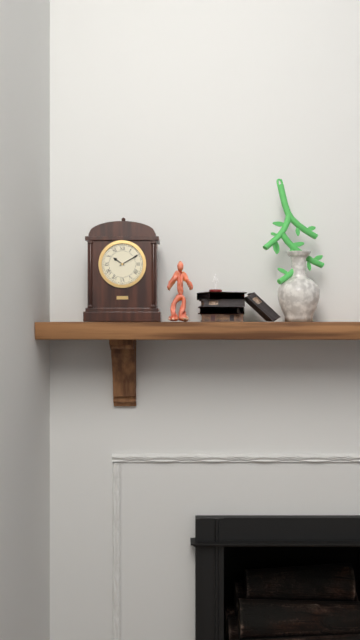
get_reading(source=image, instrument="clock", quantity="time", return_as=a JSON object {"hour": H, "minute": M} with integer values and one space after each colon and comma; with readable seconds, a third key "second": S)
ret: {"hour": 10, "minute": 10}
